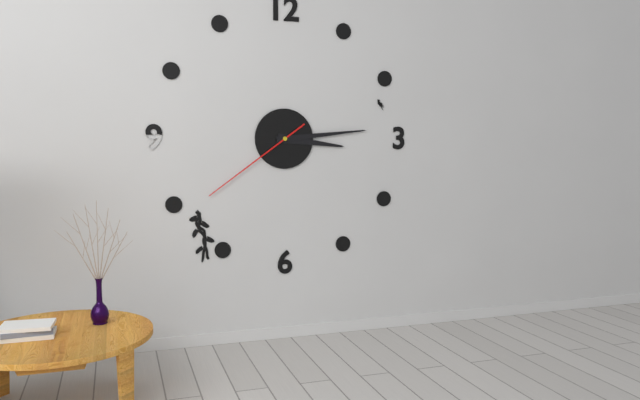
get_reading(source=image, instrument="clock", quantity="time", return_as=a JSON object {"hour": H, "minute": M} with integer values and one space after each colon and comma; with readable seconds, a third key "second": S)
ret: {"hour": 3, "minute": 14, "second": 39}
